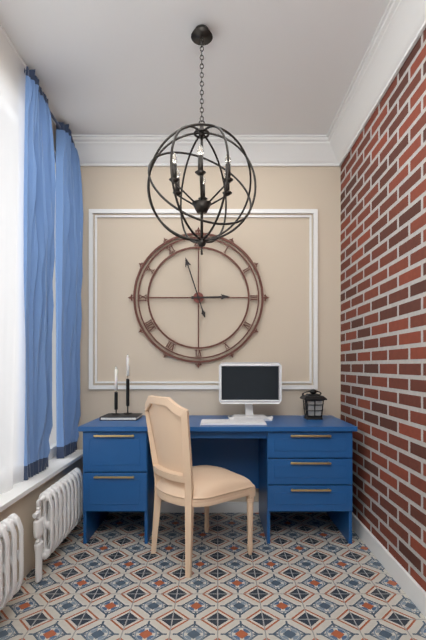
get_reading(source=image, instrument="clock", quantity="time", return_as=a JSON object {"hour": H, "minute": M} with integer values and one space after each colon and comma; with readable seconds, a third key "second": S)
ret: {"hour": 2, "minute": 57}
